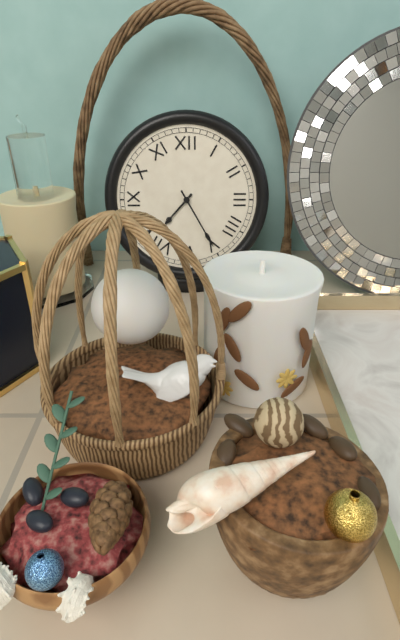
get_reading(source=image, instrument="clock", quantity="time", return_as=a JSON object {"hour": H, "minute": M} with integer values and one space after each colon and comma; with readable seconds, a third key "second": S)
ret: {"hour": 7, "minute": 25}
